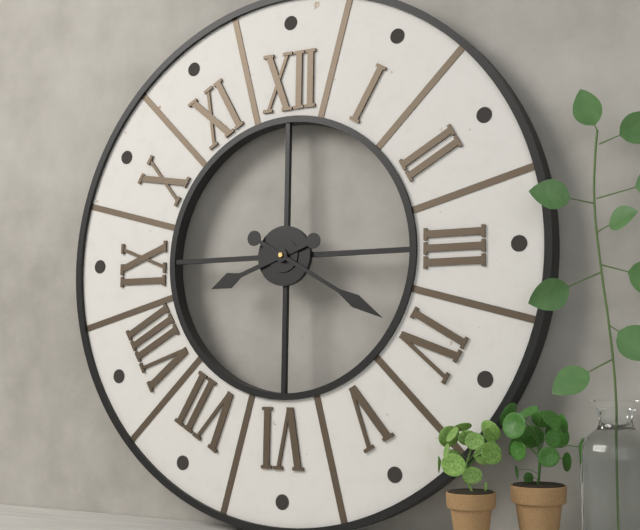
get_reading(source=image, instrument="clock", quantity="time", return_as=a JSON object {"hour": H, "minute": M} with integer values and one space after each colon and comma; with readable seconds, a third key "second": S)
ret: {"hour": 8, "minute": 20}
